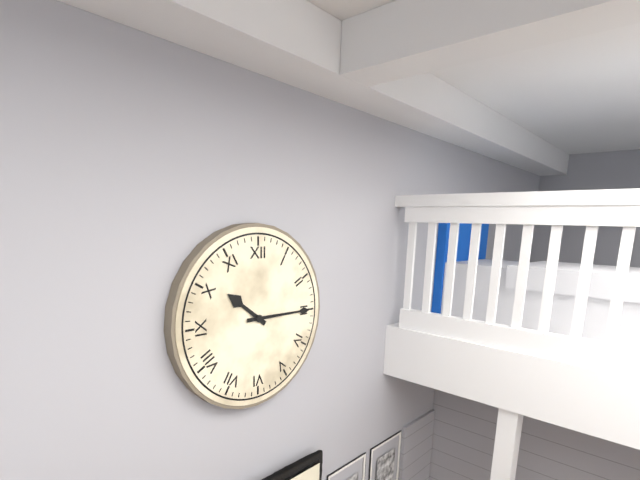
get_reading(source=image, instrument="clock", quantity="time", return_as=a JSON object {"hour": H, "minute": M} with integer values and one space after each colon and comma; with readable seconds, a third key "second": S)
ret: {"hour": 10, "minute": 15}
